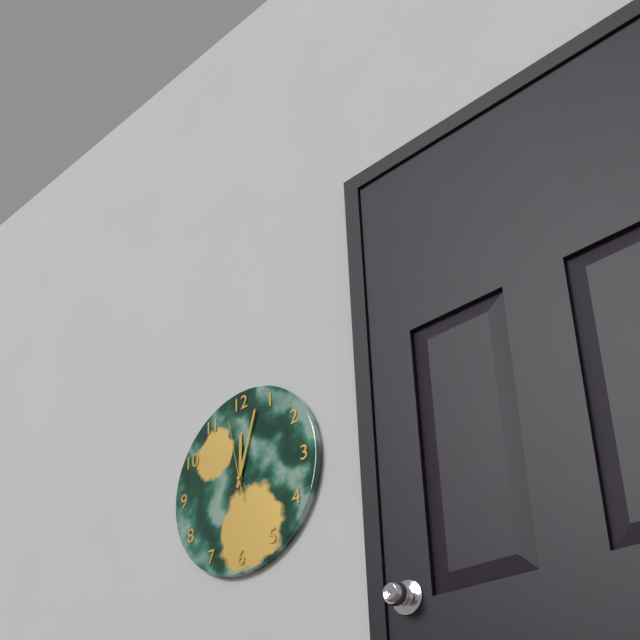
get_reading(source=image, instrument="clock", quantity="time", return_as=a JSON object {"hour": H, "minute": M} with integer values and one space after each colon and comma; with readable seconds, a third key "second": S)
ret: {"hour": 12, "minute": 3, "second": 58}
